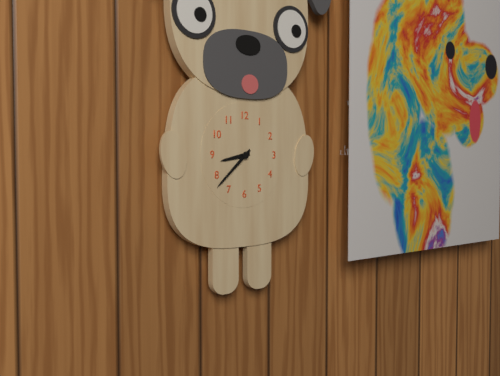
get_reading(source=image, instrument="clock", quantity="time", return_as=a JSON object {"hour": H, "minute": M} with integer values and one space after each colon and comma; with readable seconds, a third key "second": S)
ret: {"hour": 8, "minute": 38}
